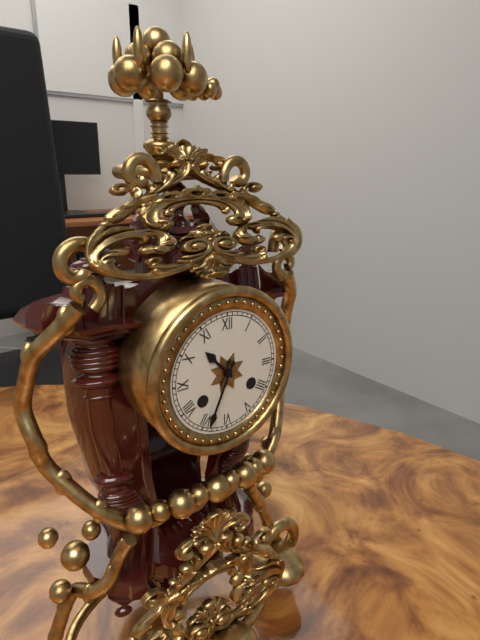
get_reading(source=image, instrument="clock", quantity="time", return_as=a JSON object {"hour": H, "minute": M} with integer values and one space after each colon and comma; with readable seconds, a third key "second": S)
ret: {"hour": 10, "minute": 34}
